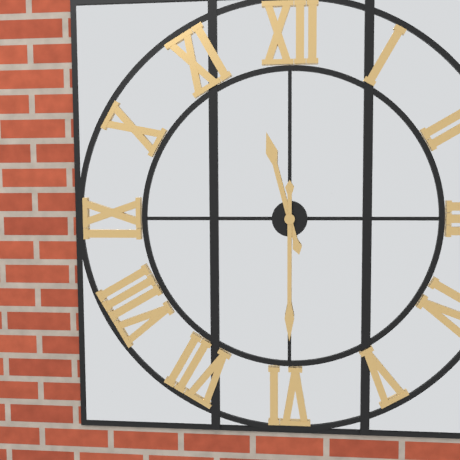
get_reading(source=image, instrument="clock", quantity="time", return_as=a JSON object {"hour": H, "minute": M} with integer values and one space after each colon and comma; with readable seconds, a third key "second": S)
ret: {"hour": 11, "minute": 30}
